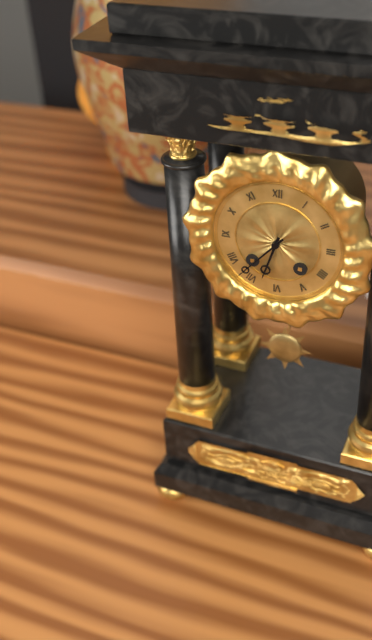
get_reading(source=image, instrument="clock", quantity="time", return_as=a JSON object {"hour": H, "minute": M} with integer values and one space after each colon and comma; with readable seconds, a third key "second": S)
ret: {"hour": 6, "minute": 37}
